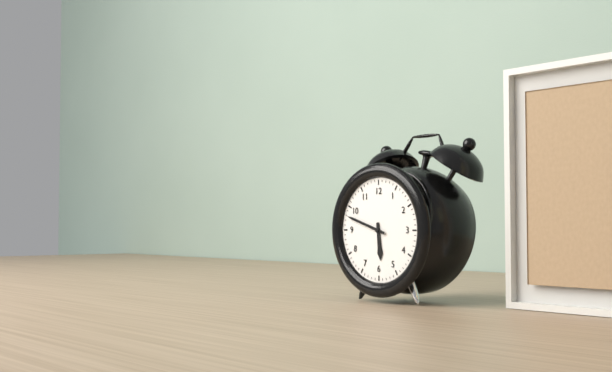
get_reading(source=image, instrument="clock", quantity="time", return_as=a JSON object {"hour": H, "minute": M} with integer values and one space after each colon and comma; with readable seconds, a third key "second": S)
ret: {"hour": 5, "minute": 48}
